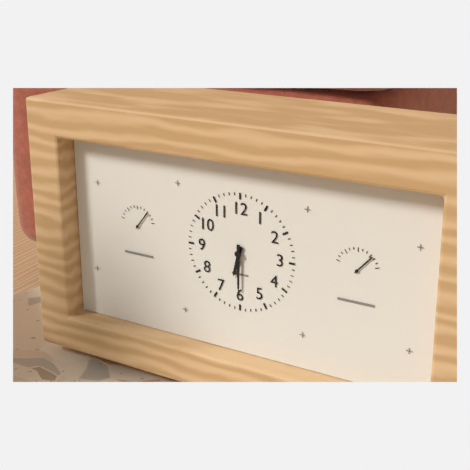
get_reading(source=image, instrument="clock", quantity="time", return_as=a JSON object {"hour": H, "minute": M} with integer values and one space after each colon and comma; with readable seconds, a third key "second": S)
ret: {"hour": 6, "minute": 30}
